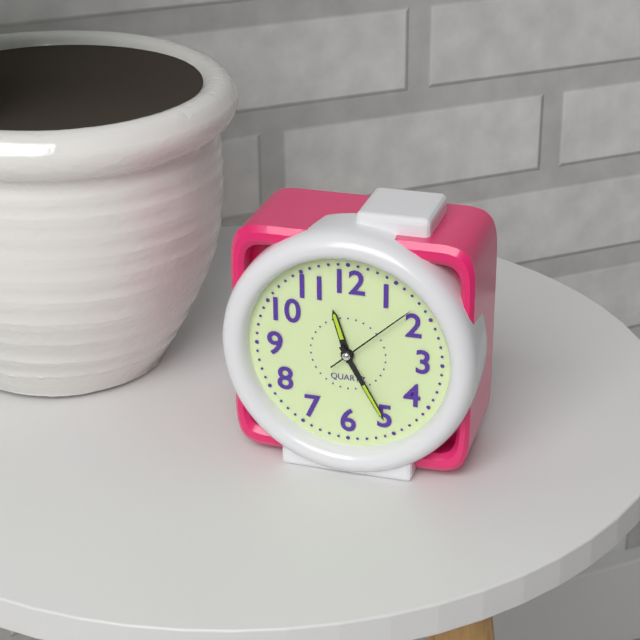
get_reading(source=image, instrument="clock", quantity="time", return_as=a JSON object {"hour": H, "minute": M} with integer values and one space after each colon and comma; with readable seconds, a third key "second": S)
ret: {"hour": 11, "minute": 25, "second": 8}
